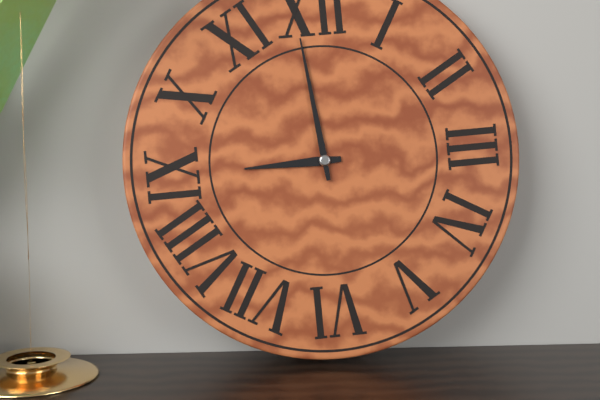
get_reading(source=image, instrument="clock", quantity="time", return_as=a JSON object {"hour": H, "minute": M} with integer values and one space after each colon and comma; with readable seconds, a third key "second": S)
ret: {"hour": 8, "minute": 59}
